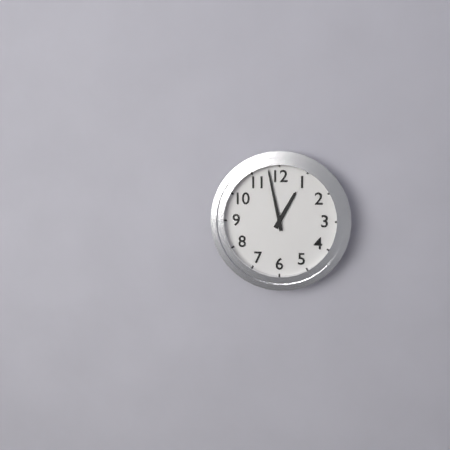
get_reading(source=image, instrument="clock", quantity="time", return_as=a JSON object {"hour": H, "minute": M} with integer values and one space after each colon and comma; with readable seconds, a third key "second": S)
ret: {"hour": 12, "minute": 58}
